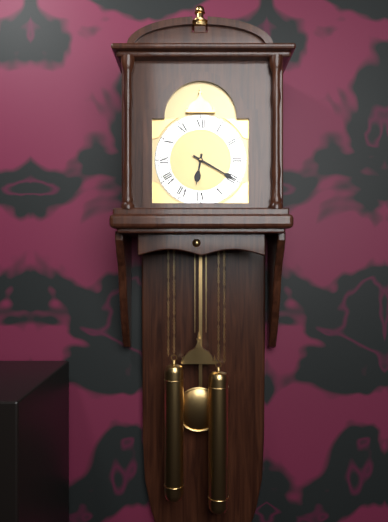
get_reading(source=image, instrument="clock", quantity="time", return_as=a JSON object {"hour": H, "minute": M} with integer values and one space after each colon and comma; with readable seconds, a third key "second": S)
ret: {"hour": 6, "minute": 20}
